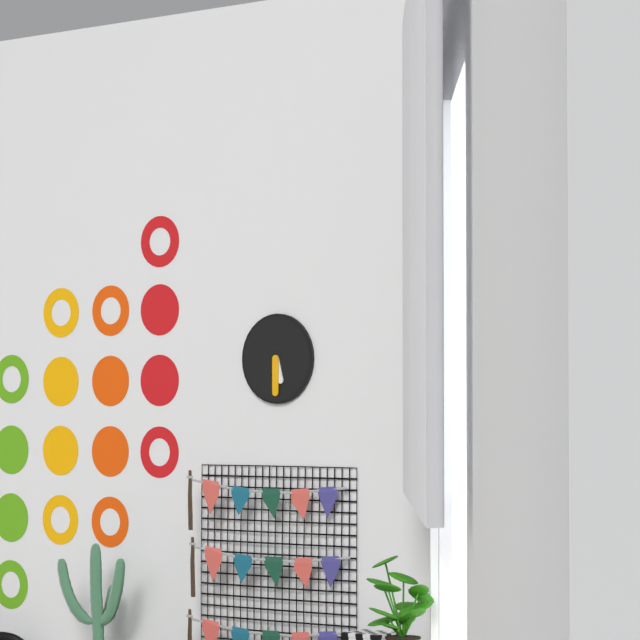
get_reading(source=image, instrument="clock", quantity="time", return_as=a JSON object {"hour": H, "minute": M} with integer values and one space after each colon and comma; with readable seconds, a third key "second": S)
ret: {"hour": 5, "minute": 30}
